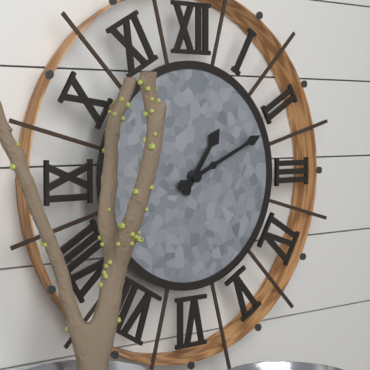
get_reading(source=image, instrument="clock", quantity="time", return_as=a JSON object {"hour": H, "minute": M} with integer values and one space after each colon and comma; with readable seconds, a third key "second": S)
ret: {"hour": 1, "minute": 11}
